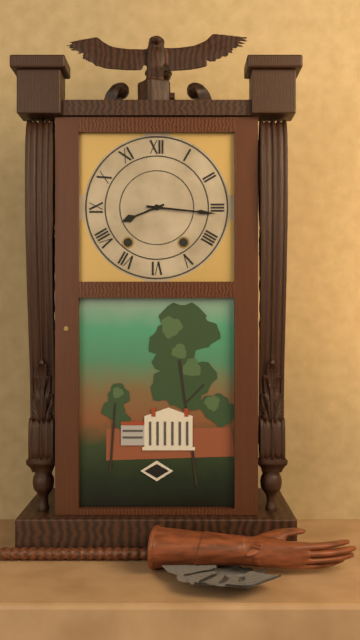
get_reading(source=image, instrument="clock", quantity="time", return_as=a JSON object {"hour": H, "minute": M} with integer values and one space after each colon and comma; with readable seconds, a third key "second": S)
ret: {"hour": 8, "minute": 16}
